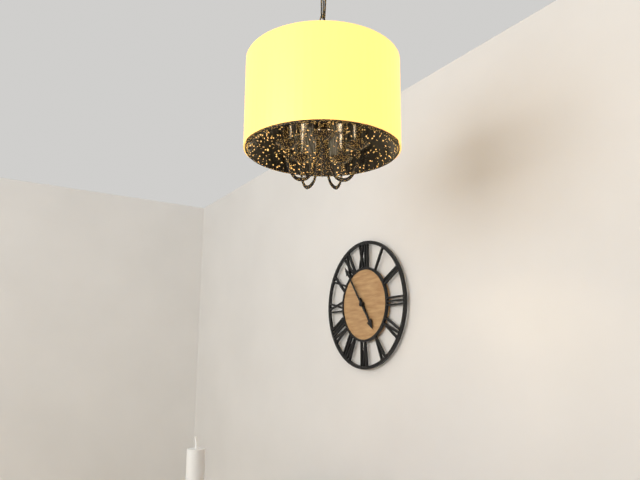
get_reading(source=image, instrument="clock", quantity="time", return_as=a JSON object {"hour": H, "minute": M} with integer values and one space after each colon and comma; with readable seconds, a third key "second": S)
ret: {"hour": 4, "minute": 54}
